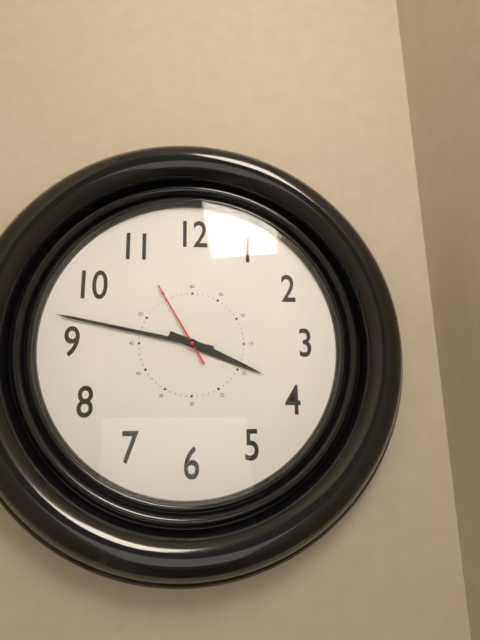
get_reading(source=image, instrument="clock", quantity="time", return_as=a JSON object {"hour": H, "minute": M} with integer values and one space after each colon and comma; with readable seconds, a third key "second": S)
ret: {"hour": 3, "minute": 47, "second": 55}
